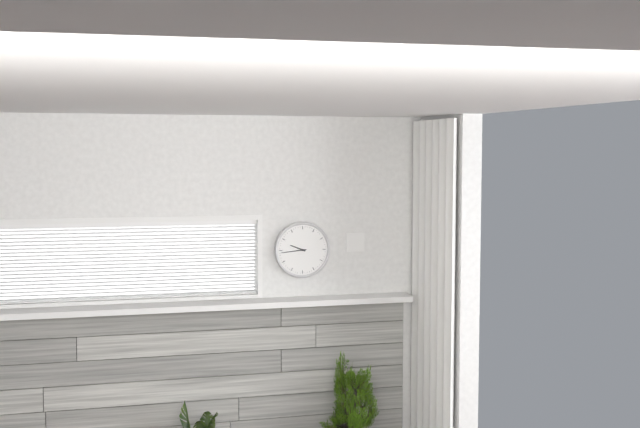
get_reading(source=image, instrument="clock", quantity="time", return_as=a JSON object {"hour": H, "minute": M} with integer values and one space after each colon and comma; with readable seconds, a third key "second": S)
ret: {"hour": 9, "minute": 44}
